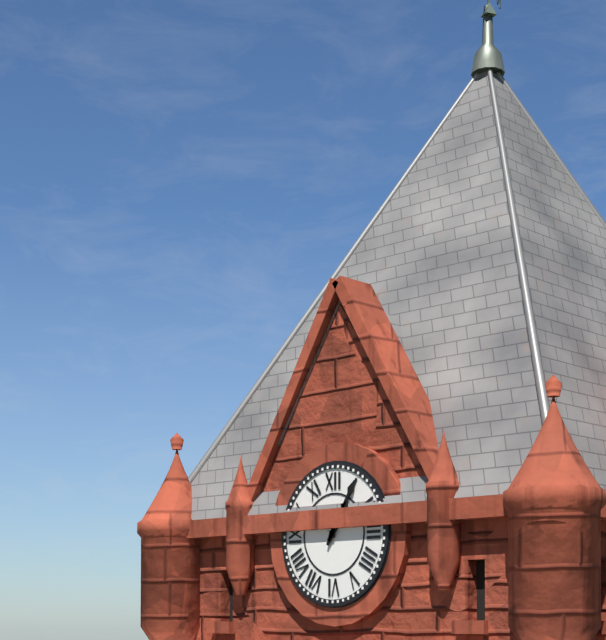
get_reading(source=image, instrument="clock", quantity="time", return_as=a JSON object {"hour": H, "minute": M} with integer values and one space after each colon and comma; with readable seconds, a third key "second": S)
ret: {"hour": 1, "minute": 5}
